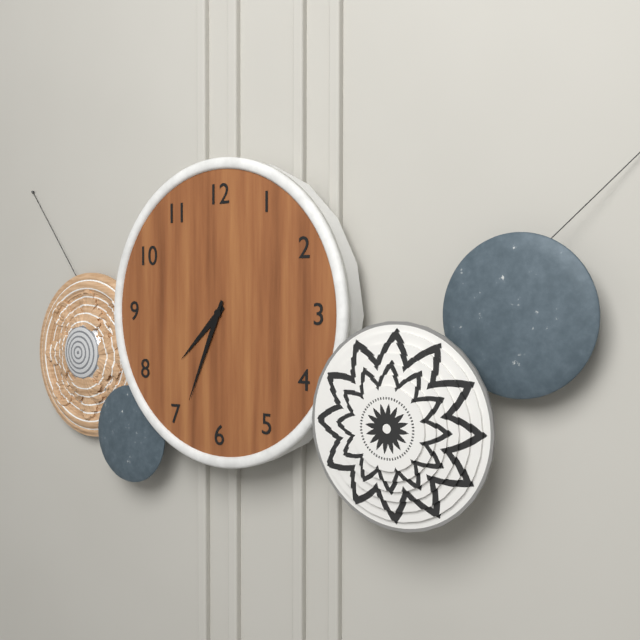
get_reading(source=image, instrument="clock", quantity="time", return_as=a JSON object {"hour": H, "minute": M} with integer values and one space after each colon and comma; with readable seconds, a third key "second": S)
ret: {"hour": 7, "minute": 34}
